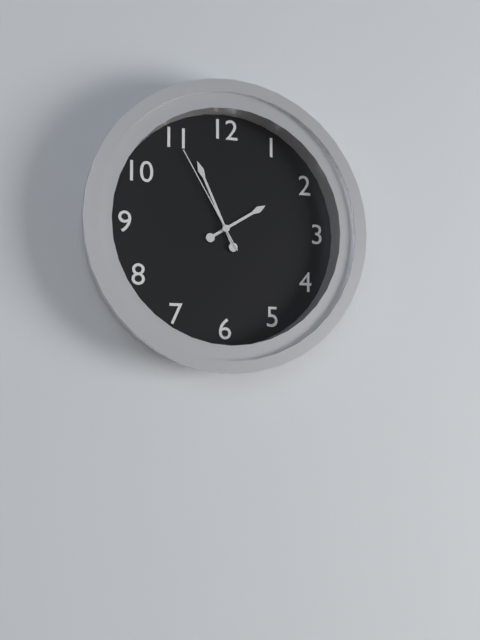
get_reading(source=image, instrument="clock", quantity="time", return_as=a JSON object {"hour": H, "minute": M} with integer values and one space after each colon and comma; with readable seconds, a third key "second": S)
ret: {"hour": 1, "minute": 56, "second": 55}
